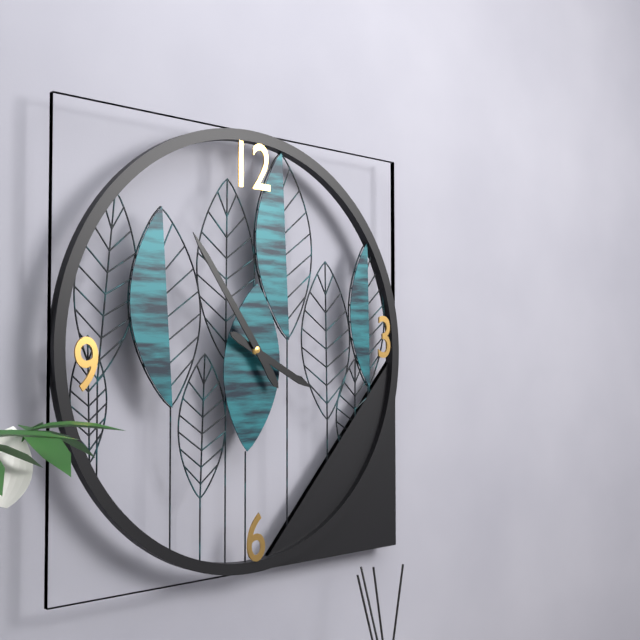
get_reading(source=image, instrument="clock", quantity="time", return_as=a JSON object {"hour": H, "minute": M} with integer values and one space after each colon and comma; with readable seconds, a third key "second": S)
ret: {"hour": 3, "minute": 54}
